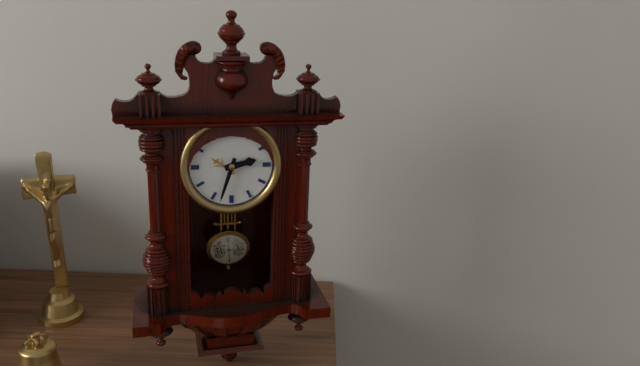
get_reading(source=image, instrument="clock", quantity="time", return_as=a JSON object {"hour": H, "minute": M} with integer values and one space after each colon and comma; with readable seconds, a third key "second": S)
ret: {"hour": 2, "minute": 33}
